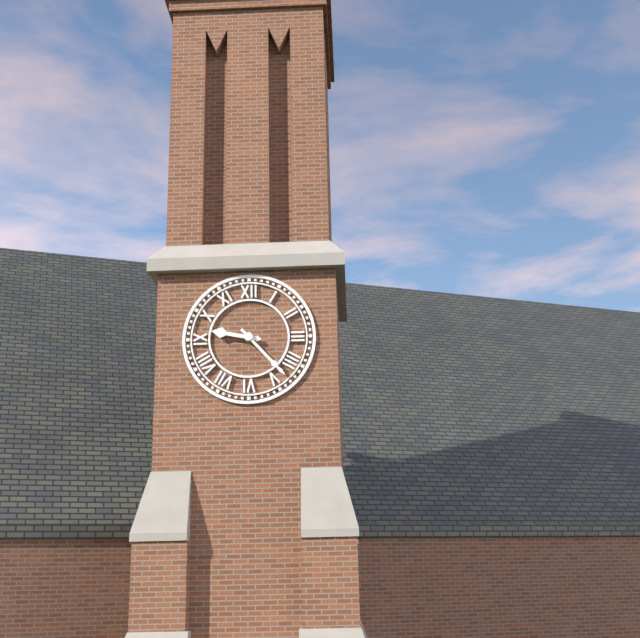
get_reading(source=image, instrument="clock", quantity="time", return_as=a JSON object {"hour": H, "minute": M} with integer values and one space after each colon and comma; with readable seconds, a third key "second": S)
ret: {"hour": 9, "minute": 23}
